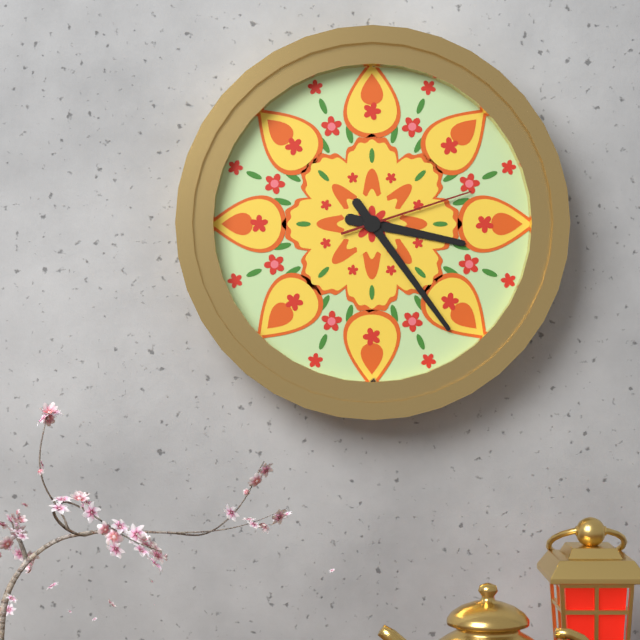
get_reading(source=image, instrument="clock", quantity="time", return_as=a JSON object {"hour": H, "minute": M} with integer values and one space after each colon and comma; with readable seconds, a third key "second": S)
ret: {"hour": 3, "minute": 24, "second": 12}
